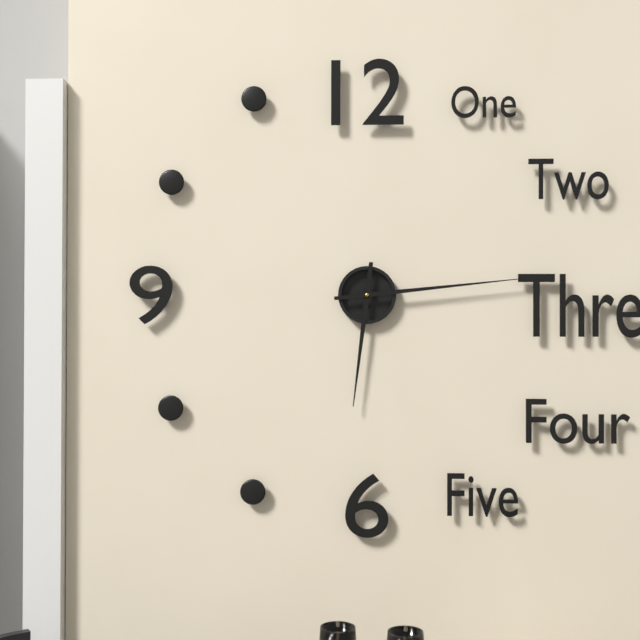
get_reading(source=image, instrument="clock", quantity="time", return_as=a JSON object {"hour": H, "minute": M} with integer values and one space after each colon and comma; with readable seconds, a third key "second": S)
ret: {"hour": 6, "minute": 14}
